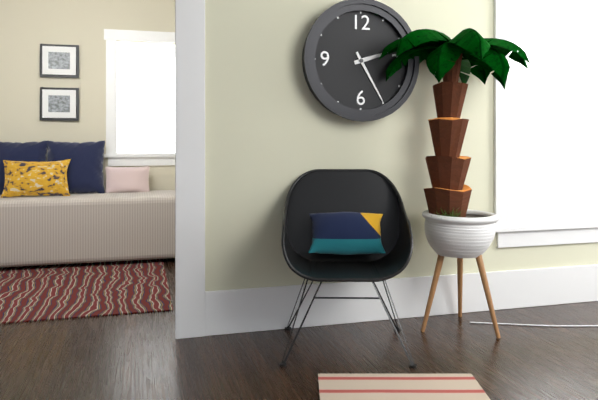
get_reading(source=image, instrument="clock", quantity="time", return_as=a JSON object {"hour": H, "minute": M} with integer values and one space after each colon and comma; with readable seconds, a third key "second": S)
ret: {"hour": 2, "minute": 25}
